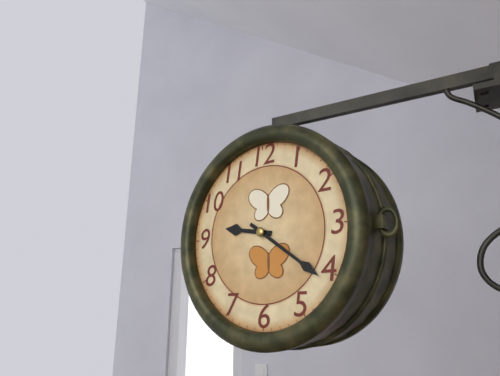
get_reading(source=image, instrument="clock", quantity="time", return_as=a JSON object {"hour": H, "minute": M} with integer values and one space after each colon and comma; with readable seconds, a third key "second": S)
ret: {"hour": 9, "minute": 21}
